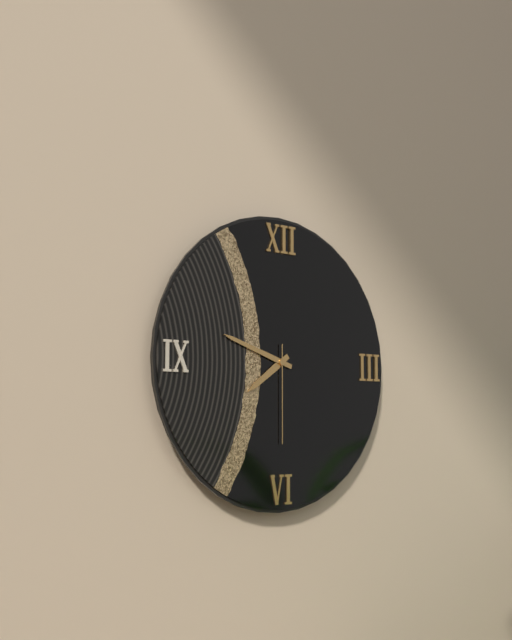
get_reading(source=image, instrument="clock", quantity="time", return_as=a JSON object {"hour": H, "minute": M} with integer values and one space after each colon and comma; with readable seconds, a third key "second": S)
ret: {"hour": 7, "minute": 48, "second": 30}
